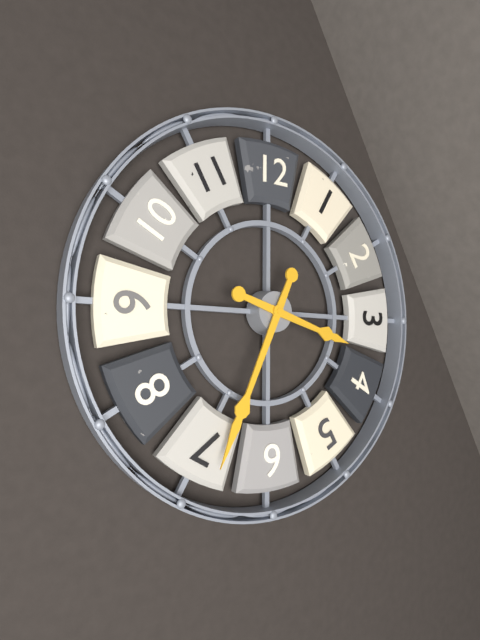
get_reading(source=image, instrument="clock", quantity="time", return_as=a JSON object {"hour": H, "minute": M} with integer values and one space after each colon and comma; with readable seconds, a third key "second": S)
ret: {"hour": 3, "minute": 34}
